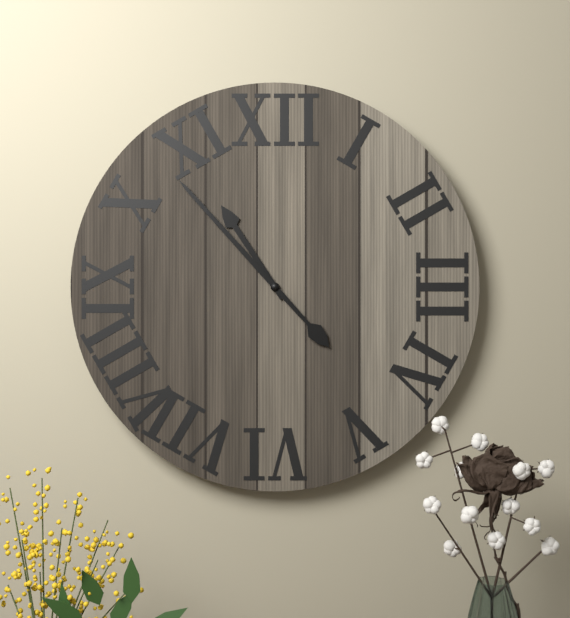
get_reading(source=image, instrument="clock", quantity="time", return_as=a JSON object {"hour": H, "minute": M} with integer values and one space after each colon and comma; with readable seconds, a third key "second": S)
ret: {"hour": 10, "minute": 53}
